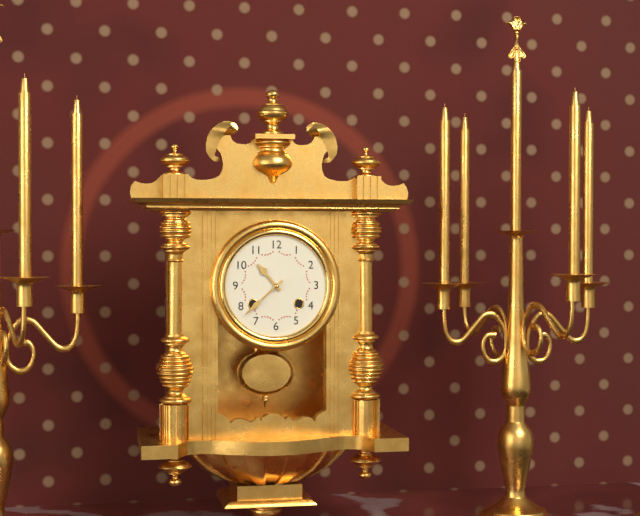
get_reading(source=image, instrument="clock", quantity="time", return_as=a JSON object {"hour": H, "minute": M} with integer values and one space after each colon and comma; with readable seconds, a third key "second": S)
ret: {"hour": 10, "minute": 38}
